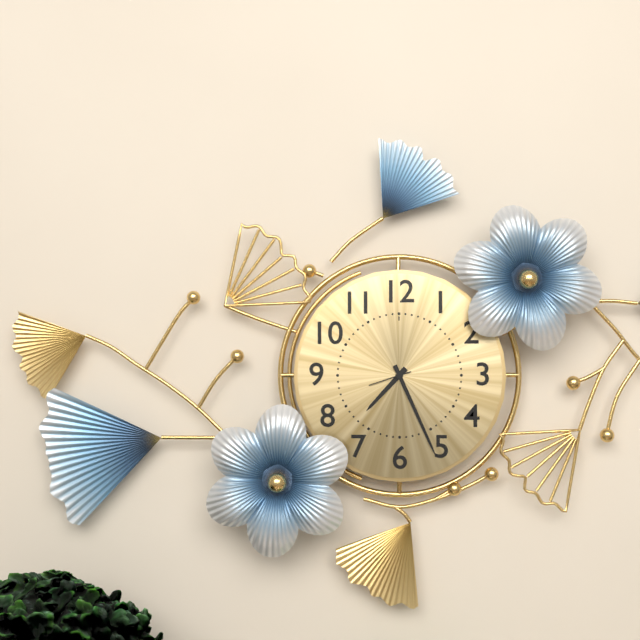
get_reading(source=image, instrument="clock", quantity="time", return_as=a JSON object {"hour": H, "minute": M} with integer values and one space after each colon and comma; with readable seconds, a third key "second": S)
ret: {"hour": 7, "minute": 26}
